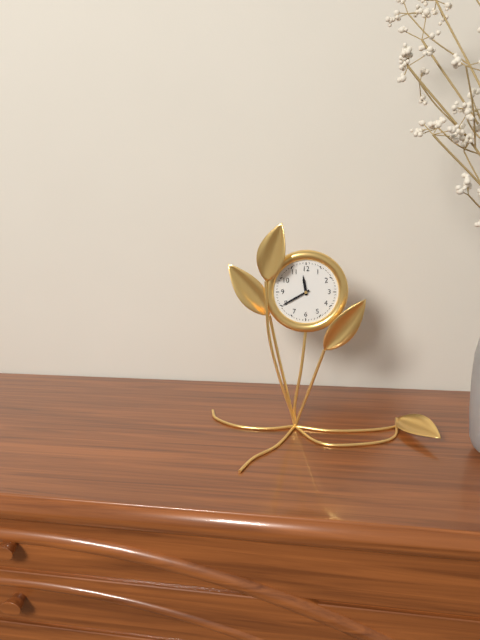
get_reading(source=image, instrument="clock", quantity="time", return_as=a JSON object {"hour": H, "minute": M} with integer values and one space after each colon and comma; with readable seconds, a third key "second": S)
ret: {"hour": 11, "minute": 40}
